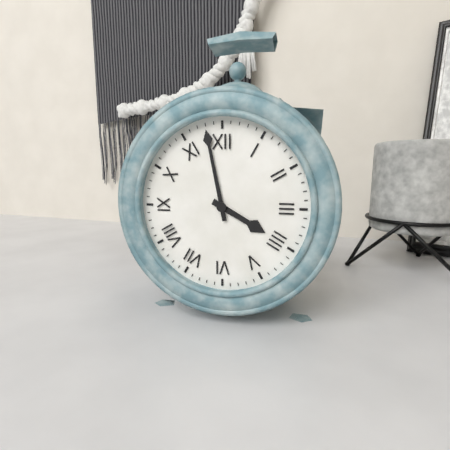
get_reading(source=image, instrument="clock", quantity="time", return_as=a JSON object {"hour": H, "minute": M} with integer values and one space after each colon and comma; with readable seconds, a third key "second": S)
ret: {"hour": 3, "minute": 58}
